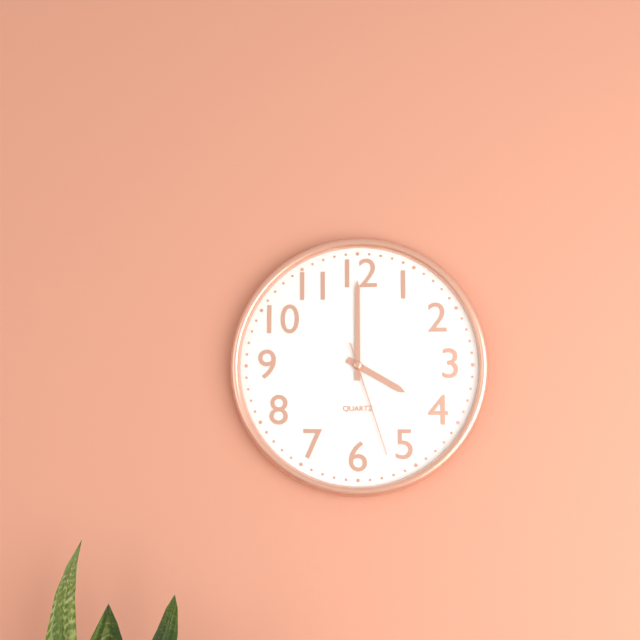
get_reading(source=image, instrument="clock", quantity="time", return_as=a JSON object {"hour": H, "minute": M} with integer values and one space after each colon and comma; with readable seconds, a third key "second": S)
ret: {"hour": 4, "minute": 0, "second": 27}
